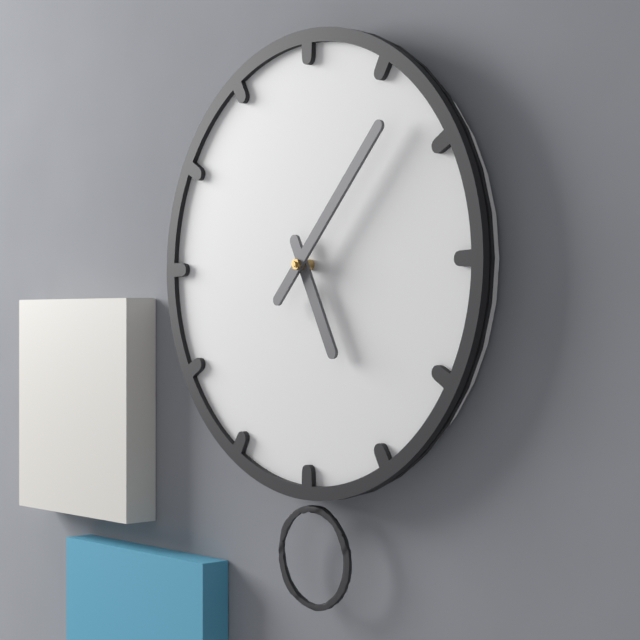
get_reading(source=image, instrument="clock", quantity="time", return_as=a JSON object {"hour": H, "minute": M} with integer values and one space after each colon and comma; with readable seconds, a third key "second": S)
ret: {"hour": 5, "minute": 7}
